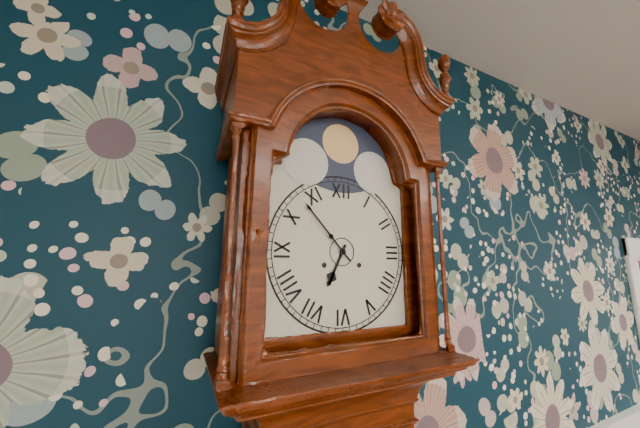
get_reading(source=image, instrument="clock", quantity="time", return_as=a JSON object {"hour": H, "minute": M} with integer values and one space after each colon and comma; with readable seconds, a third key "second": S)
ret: {"hour": 6, "minute": 53}
